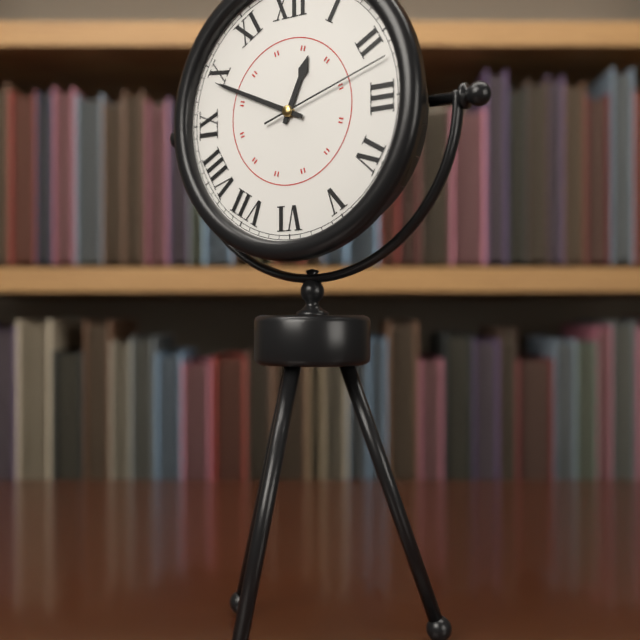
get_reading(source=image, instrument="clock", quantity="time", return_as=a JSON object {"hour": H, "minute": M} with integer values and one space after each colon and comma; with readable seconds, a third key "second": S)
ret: {"hour": 12, "minute": 49, "second": 12}
